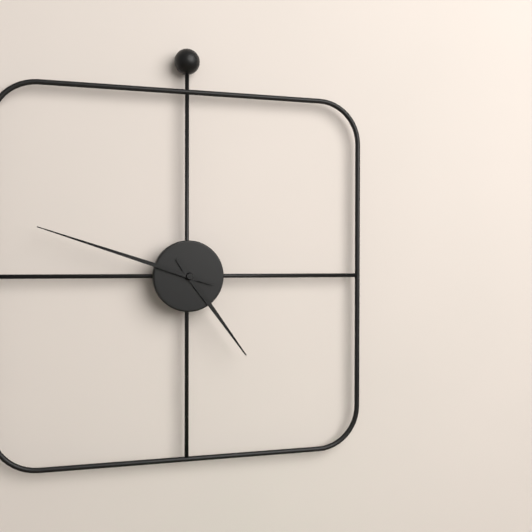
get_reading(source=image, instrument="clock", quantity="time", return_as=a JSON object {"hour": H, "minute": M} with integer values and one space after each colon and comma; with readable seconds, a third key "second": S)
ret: {"hour": 4, "minute": 48}
